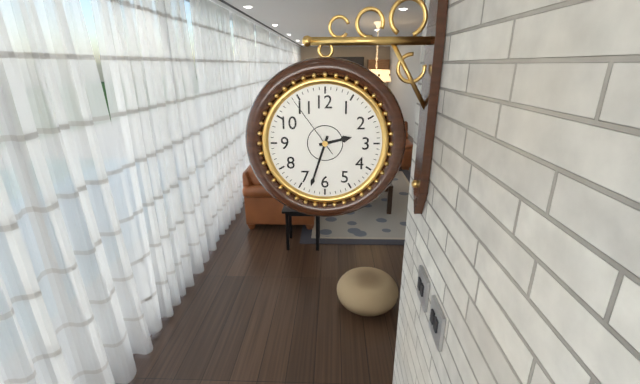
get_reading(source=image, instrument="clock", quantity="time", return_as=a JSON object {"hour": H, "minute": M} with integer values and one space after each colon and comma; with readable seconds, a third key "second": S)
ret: {"hour": 2, "minute": 33, "second": 54}
